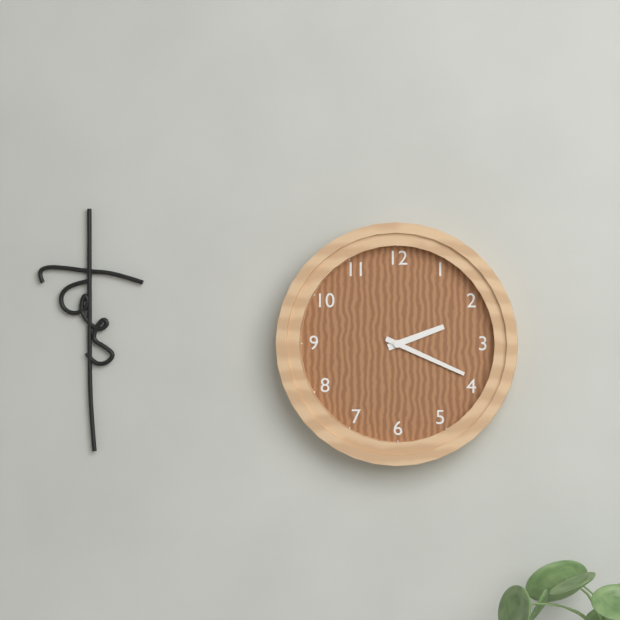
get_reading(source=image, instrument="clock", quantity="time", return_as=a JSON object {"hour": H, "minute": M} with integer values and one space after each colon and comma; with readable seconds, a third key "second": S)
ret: {"hour": 2, "minute": 19}
